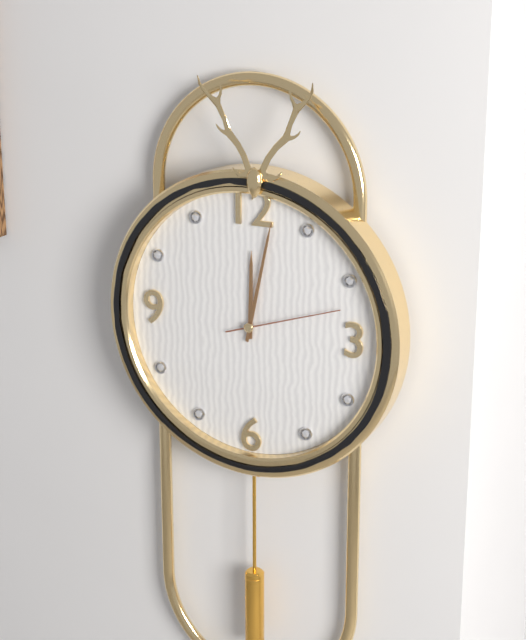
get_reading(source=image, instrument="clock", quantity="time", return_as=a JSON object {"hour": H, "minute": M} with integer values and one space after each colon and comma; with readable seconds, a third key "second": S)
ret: {"hour": 12, "minute": 2, "second": 12}
